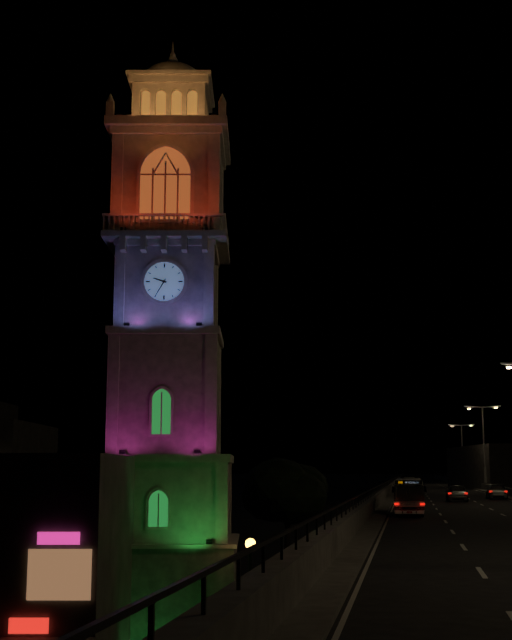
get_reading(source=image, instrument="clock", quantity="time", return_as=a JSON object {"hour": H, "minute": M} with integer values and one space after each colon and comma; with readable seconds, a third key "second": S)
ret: {"hour": 9, "minute": 35}
